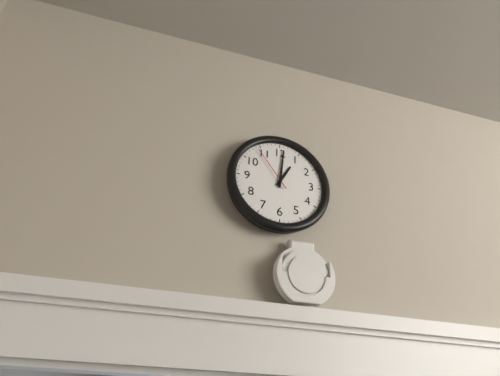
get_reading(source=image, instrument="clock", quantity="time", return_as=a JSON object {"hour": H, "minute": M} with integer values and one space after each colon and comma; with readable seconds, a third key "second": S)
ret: {"hour": 1, "minute": 1}
